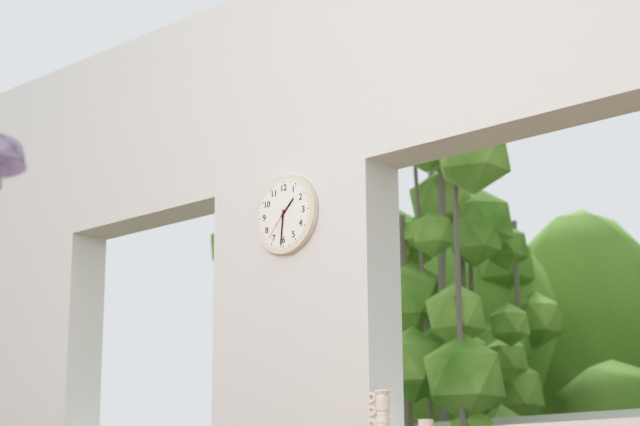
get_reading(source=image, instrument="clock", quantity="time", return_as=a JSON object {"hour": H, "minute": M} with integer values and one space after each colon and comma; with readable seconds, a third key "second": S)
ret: {"hour": 1, "minute": 31}
